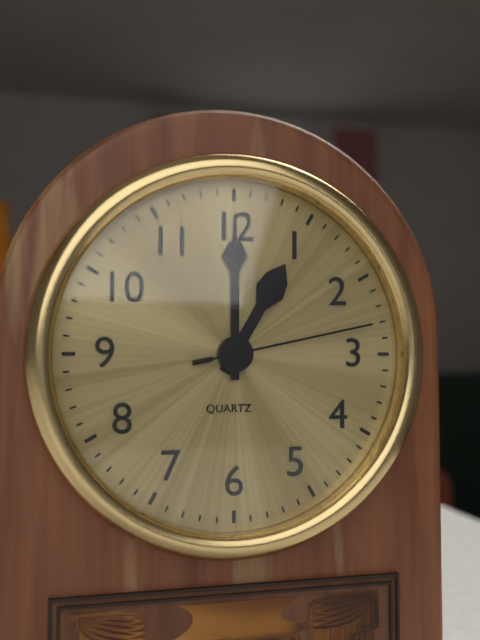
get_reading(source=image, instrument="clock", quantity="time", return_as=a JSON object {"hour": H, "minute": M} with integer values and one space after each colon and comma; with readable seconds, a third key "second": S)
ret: {"hour": 1, "minute": 0, "second": 13}
